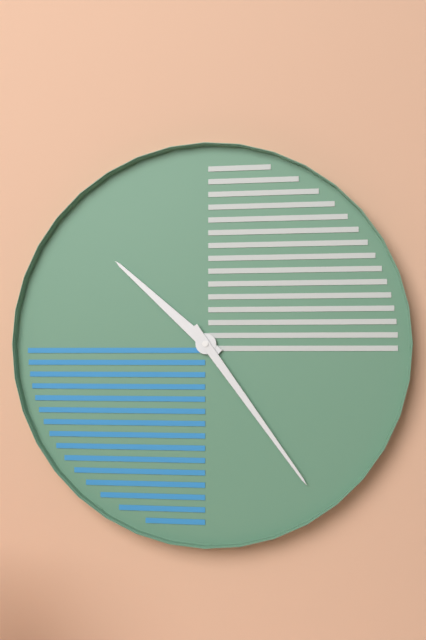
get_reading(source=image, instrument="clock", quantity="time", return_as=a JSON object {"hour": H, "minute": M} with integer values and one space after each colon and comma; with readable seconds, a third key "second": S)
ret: {"hour": 10, "minute": 24}
